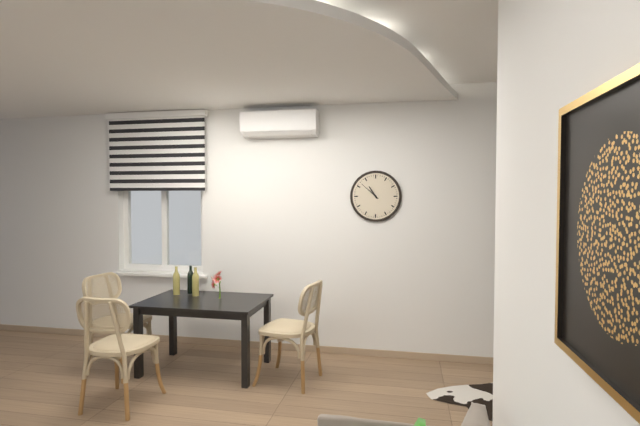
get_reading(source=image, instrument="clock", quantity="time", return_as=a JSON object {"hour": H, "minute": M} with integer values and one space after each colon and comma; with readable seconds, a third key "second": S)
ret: {"hour": 10, "minute": 52}
